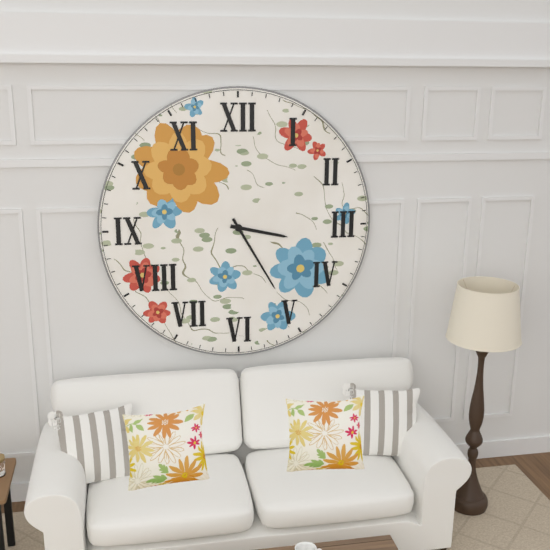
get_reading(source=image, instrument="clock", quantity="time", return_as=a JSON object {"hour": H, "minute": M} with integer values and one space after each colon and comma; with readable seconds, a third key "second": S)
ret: {"hour": 3, "minute": 25}
